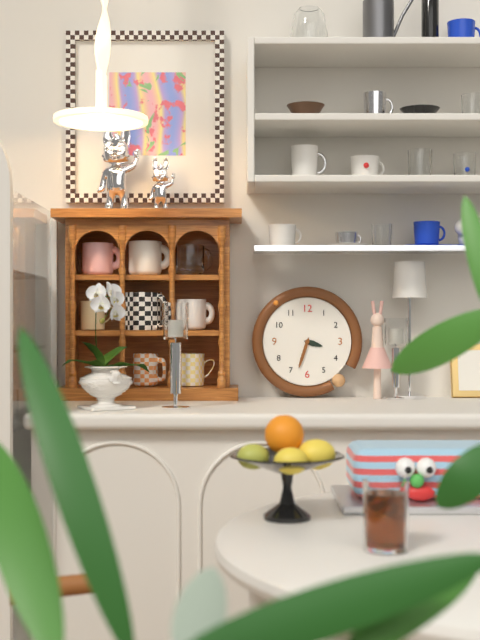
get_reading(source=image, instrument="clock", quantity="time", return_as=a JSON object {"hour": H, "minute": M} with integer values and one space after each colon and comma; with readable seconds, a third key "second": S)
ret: {"hour": 3, "minute": 33}
